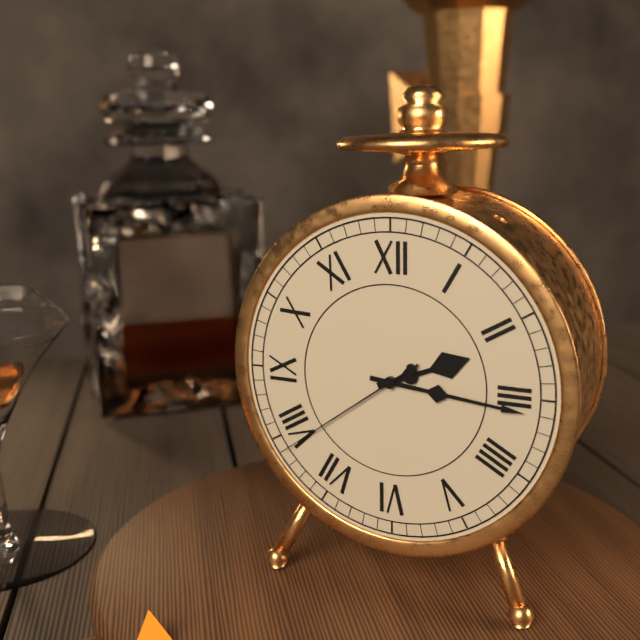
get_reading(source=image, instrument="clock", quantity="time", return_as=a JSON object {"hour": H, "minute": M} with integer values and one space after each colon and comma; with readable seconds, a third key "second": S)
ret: {"hour": 2, "minute": 16, "second": 39}
